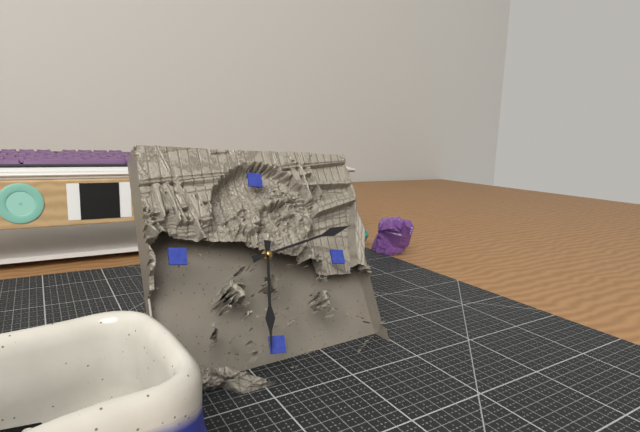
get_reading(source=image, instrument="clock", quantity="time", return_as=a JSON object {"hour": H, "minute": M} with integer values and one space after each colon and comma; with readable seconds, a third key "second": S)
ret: {"hour": 6, "minute": 12}
